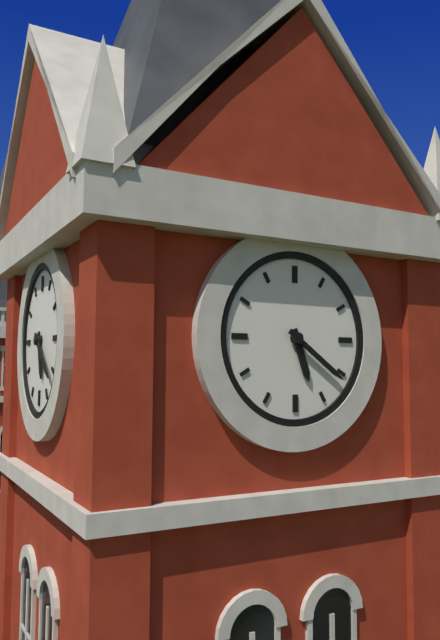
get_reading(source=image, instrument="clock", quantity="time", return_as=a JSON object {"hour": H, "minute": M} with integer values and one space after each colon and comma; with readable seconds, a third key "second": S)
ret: {"hour": 5, "minute": 21}
